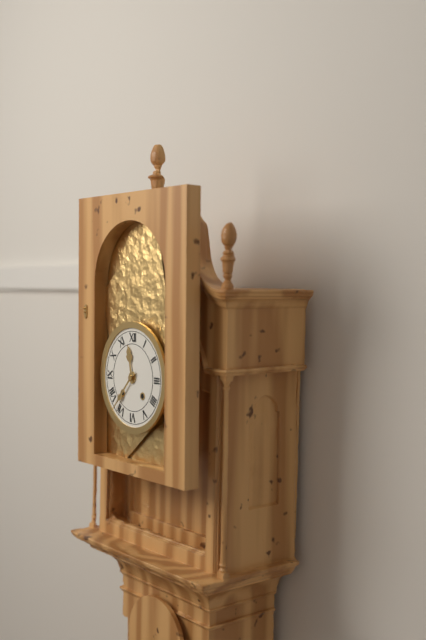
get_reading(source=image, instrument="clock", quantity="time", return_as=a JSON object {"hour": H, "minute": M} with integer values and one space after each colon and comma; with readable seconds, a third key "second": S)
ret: {"hour": 11, "minute": 37}
